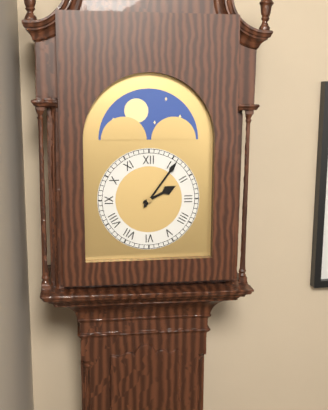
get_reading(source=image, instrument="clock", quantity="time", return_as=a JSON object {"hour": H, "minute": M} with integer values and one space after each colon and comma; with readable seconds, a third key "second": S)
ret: {"hour": 2, "minute": 6}
